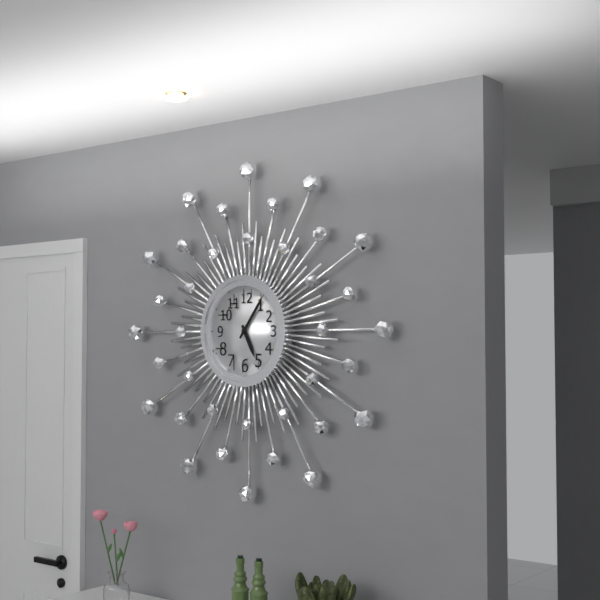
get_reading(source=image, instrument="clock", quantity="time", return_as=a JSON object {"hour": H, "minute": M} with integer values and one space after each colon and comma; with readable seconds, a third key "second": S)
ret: {"hour": 5, "minute": 6}
